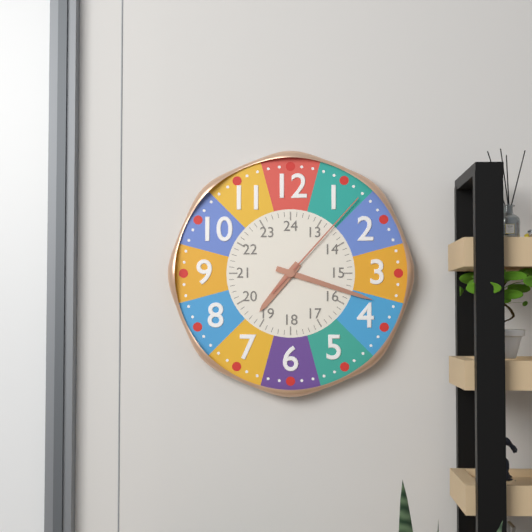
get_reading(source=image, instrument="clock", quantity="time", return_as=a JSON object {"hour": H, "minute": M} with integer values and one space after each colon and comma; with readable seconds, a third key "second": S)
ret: {"hour": 7, "minute": 18, "second": 7}
